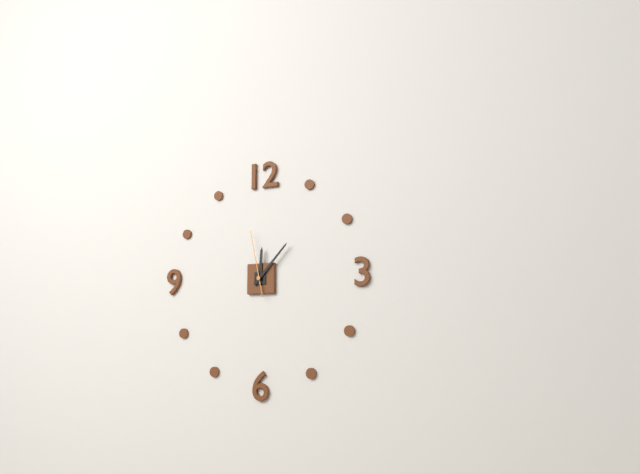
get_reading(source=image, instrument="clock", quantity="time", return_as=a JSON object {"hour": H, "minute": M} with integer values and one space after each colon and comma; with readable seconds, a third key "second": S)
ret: {"hour": 12, "minute": 7, "second": 58}
